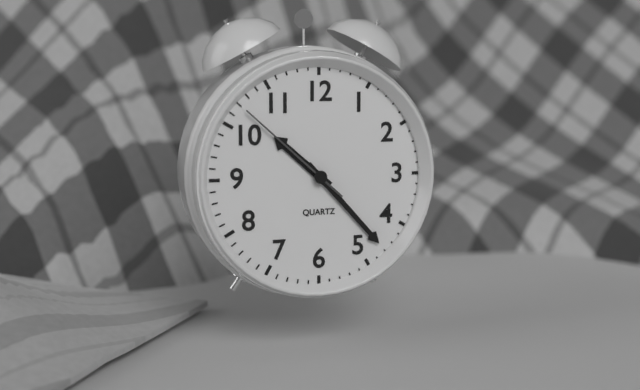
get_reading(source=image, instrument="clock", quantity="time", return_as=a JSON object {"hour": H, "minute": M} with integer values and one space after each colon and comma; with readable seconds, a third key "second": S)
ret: {"hour": 10, "minute": 23, "second": 52}
